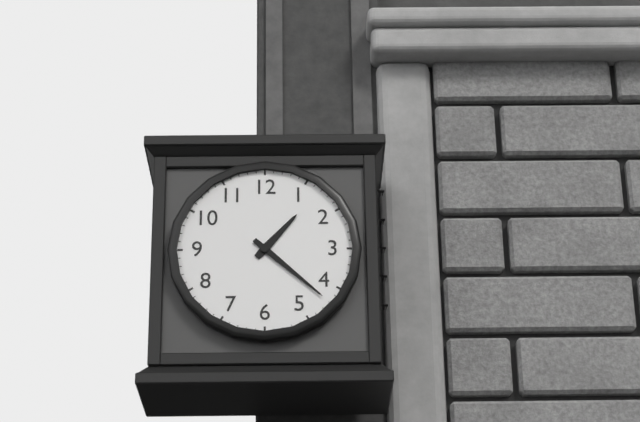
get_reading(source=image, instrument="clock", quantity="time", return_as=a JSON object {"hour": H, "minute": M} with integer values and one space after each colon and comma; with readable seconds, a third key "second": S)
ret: {"hour": 1, "minute": 22}
